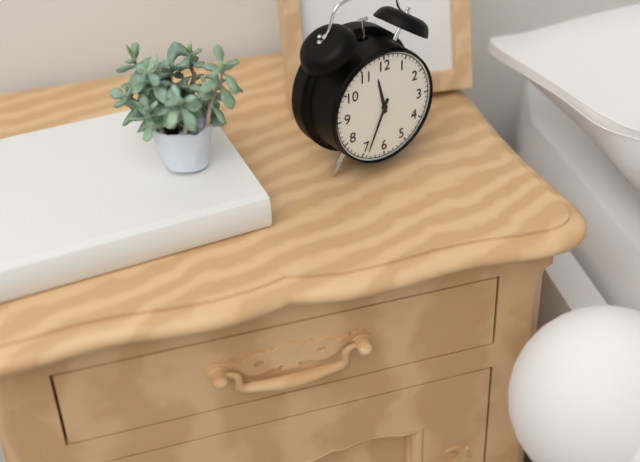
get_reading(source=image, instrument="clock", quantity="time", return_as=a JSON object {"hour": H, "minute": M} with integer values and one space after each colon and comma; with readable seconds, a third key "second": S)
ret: {"hour": 11, "minute": 34}
